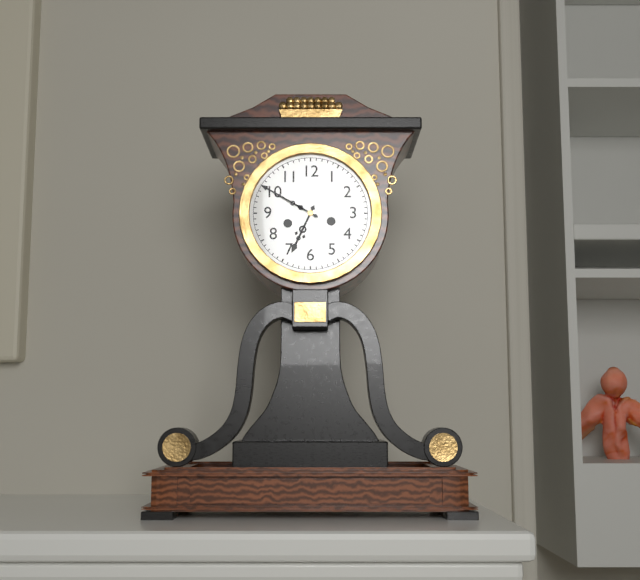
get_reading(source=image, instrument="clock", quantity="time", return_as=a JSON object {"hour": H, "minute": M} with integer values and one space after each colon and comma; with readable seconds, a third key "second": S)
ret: {"hour": 6, "minute": 50}
